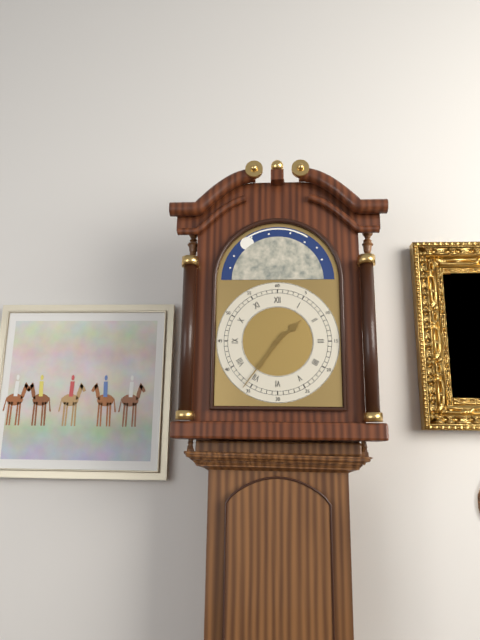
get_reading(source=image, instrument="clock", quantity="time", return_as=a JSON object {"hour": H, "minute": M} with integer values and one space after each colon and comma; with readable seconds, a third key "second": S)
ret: {"hour": 1, "minute": 36}
